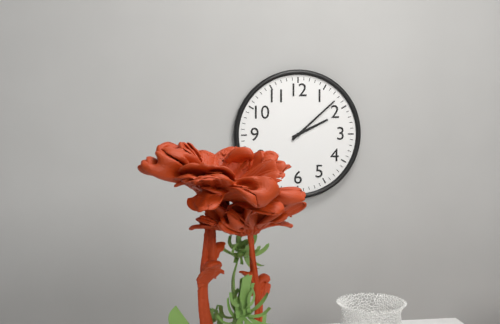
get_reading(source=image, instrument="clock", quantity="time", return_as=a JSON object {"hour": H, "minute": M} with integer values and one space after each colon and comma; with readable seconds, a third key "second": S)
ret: {"hour": 2, "minute": 8}
